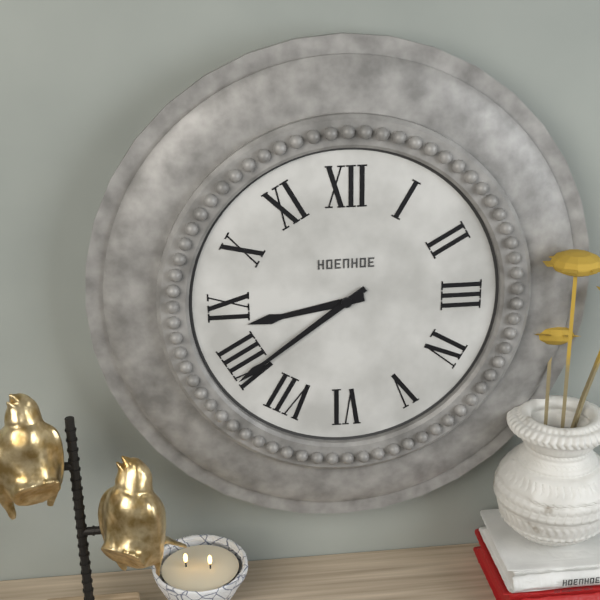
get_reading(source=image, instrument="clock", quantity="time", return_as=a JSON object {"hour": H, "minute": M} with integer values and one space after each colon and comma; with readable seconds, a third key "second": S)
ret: {"hour": 8, "minute": 39}
